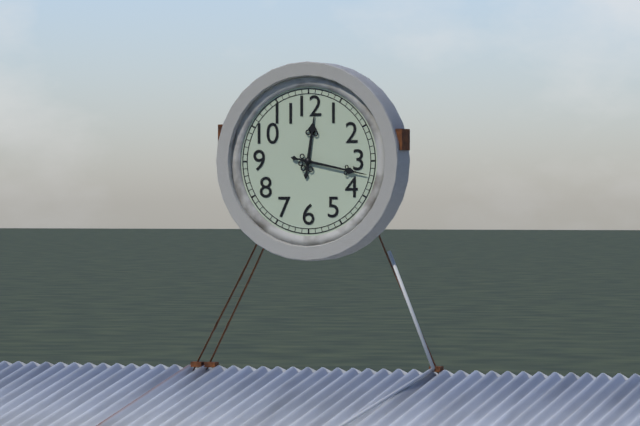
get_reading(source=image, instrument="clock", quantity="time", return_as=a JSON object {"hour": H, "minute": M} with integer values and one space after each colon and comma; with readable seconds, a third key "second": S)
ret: {"hour": 12, "minute": 17}
